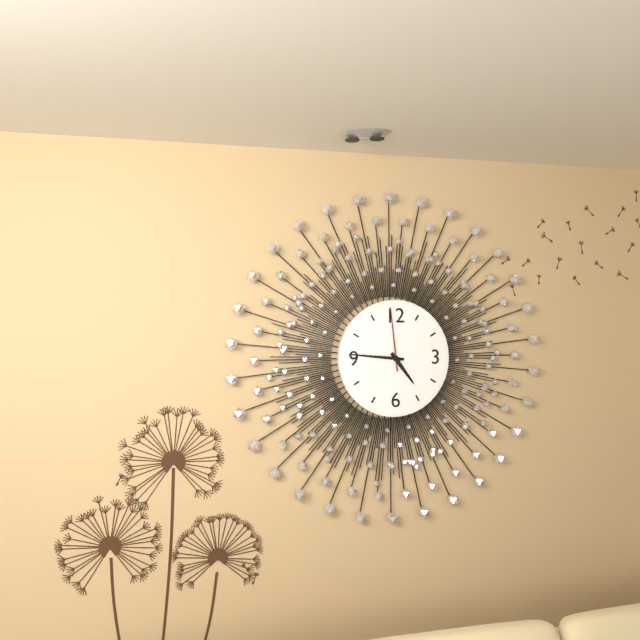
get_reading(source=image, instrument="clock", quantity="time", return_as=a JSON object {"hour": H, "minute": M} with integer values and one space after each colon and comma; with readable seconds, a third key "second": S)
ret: {"hour": 4, "minute": 46, "second": 59}
